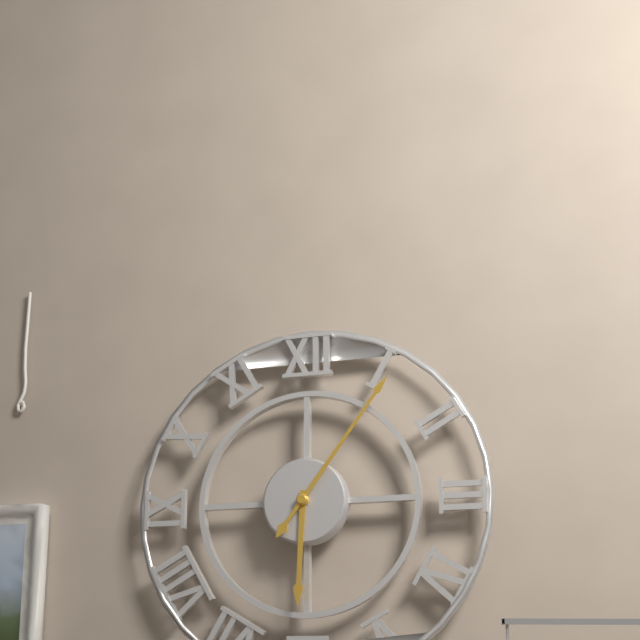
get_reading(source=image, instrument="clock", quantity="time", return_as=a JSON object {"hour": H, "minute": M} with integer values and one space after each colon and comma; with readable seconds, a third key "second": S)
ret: {"hour": 6, "minute": 6}
